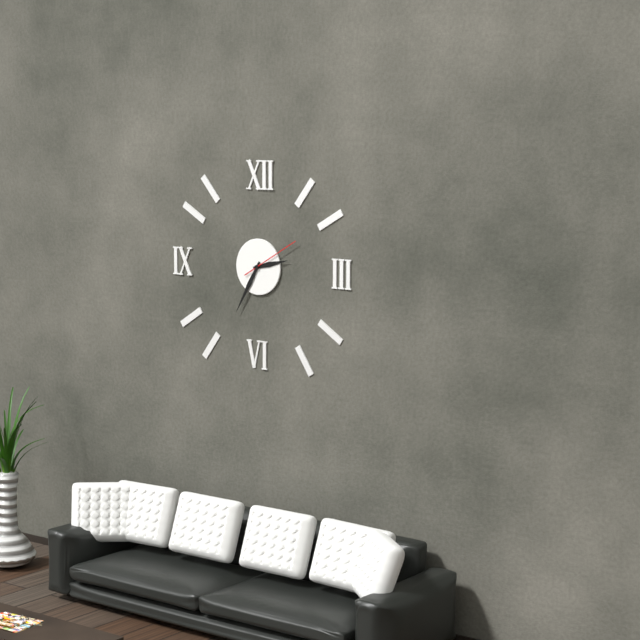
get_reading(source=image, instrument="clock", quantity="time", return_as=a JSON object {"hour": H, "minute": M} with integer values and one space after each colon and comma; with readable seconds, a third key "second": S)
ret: {"hour": 2, "minute": 35, "second": 10}
